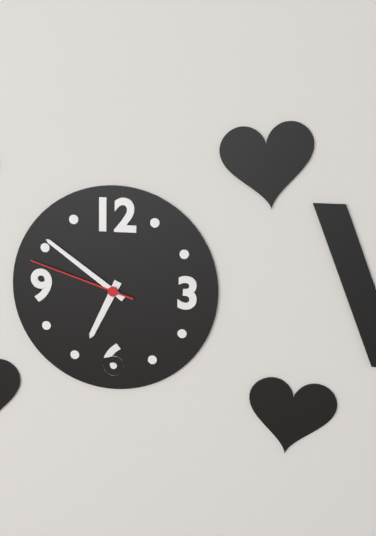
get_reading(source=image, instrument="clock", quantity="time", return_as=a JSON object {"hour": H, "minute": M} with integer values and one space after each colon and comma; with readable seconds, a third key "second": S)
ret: {"hour": 6, "minute": 51, "second": 48}
